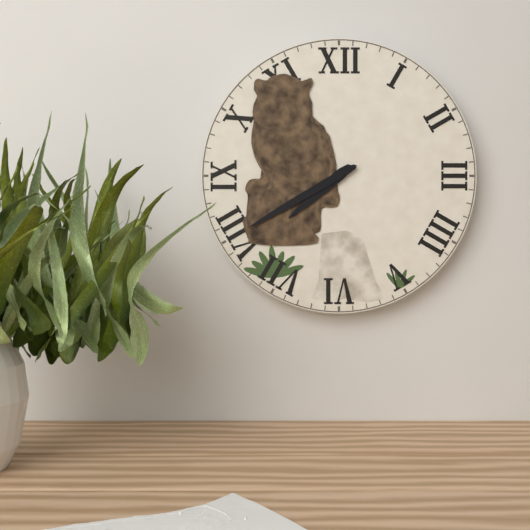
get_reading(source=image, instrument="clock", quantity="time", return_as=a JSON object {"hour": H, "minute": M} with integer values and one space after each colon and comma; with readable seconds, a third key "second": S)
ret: {"hour": 7, "minute": 40}
